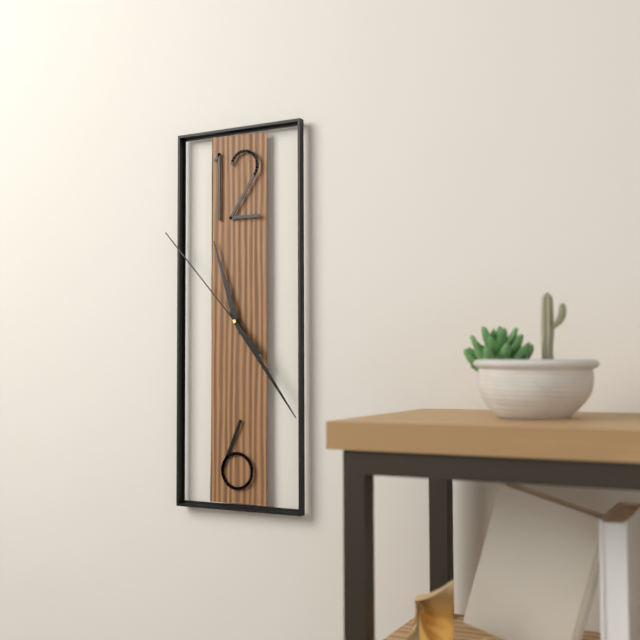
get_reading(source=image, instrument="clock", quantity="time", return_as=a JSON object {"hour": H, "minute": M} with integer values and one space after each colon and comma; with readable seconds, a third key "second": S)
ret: {"hour": 11, "minute": 24, "second": 53}
